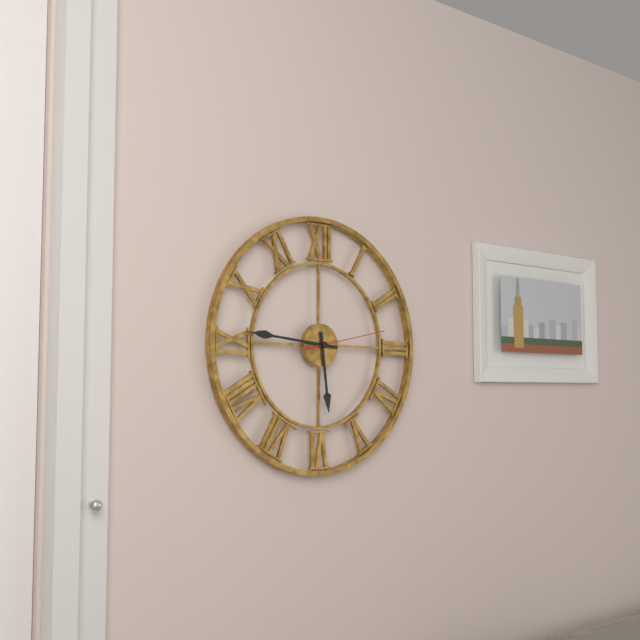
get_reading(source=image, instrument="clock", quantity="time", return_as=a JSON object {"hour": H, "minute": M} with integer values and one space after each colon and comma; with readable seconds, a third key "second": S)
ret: {"hour": 5, "minute": 46, "second": 13}
